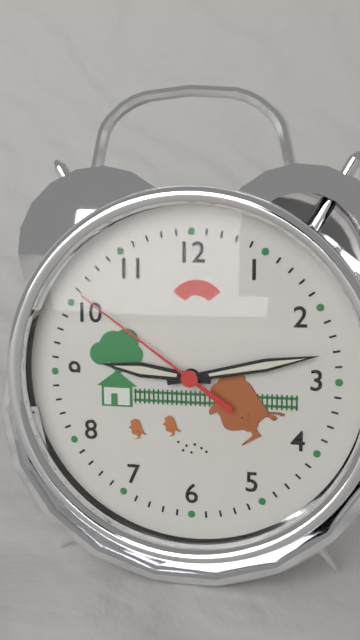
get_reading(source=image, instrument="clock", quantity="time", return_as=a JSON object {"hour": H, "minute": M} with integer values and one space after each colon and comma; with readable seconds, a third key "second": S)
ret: {"hour": 9, "minute": 13, "second": 51}
